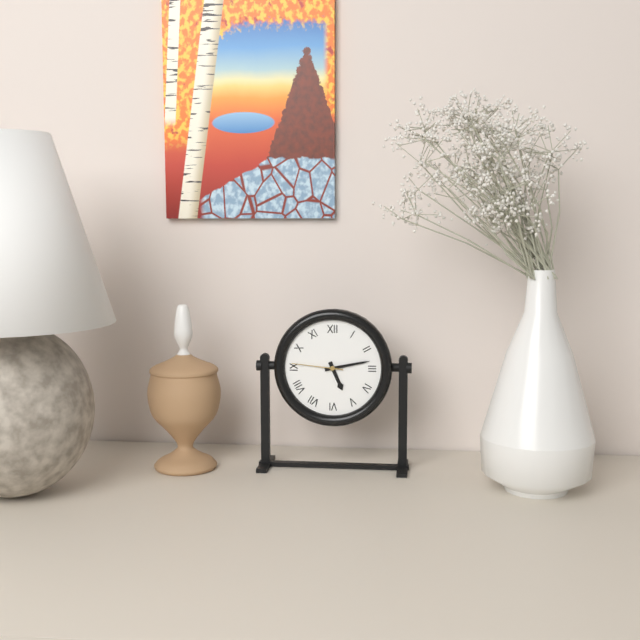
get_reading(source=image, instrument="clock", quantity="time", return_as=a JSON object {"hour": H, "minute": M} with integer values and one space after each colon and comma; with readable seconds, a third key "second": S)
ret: {"hour": 5, "minute": 13, "second": 46}
